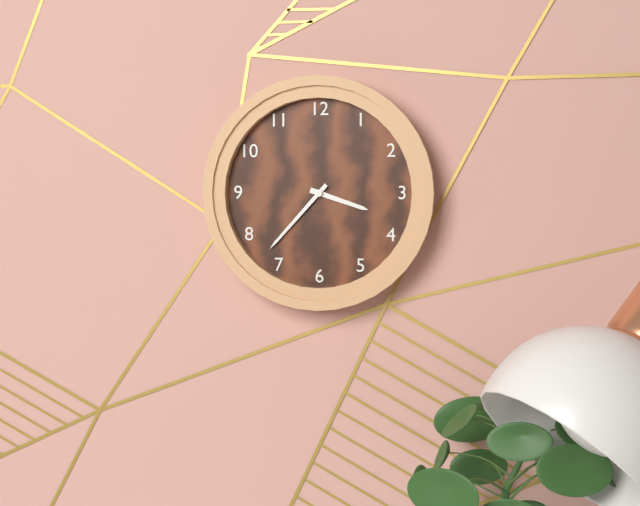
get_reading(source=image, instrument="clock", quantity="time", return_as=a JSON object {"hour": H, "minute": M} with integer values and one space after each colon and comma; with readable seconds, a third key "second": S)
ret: {"hour": 3, "minute": 37}
